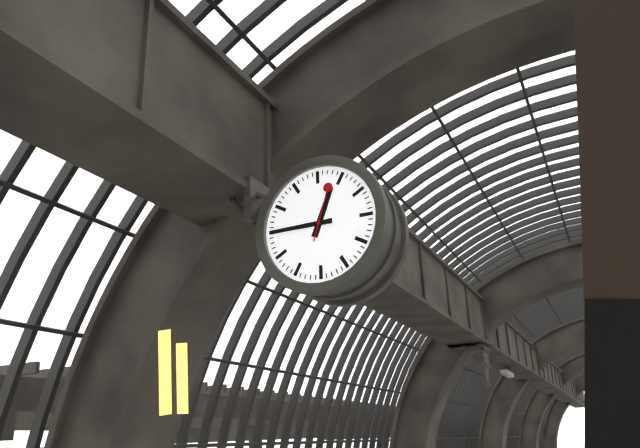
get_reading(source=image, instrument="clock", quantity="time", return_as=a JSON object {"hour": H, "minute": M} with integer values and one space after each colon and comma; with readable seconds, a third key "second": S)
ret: {"hour": 12, "minute": 45, "second": 3}
